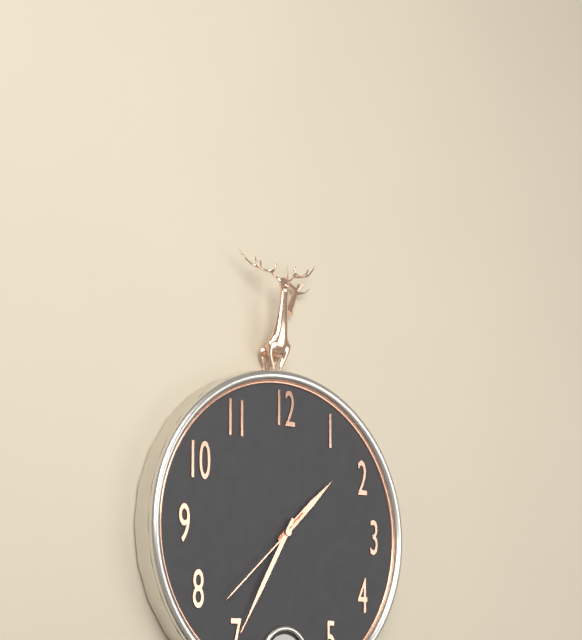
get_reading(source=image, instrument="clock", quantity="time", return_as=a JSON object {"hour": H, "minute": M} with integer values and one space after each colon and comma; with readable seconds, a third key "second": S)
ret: {"hour": 1, "minute": 35, "second": 38}
